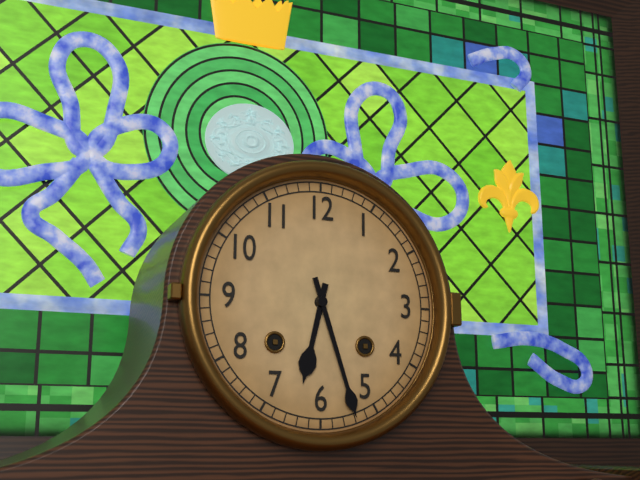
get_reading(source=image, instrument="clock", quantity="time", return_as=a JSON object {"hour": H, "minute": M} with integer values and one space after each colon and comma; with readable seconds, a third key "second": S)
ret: {"hour": 6, "minute": 27}
